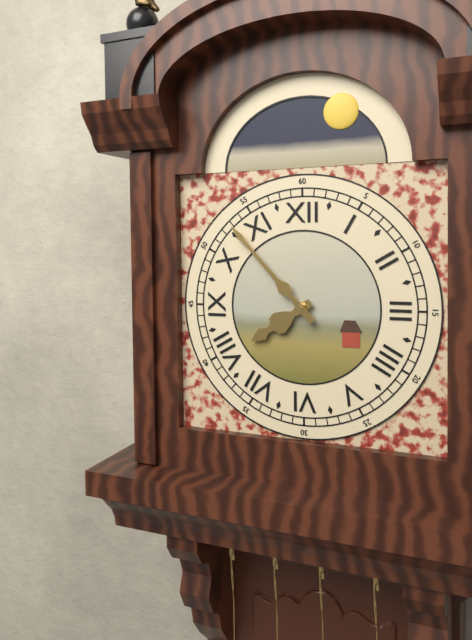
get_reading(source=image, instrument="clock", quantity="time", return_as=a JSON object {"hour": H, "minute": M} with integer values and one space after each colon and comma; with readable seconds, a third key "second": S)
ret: {"hour": 7, "minute": 53}
